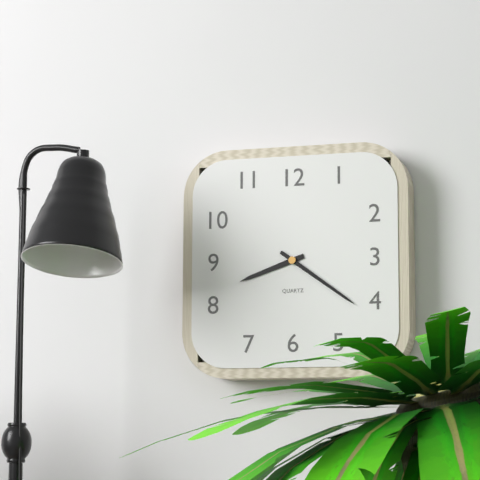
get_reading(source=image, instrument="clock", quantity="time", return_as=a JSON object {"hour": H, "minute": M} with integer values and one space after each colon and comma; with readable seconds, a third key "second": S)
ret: {"hour": 8, "minute": 21}
